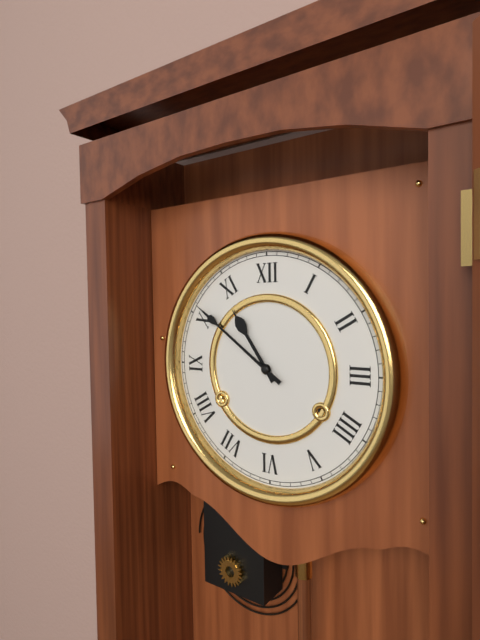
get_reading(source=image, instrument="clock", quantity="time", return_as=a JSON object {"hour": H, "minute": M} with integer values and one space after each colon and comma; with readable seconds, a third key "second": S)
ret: {"hour": 10, "minute": 51}
